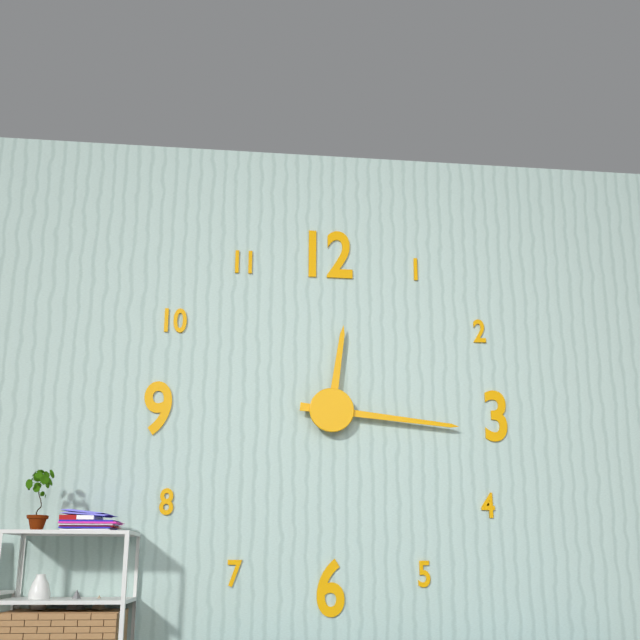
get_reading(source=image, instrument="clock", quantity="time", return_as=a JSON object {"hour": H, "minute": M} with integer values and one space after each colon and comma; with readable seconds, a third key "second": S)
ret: {"hour": 12, "minute": 16}
